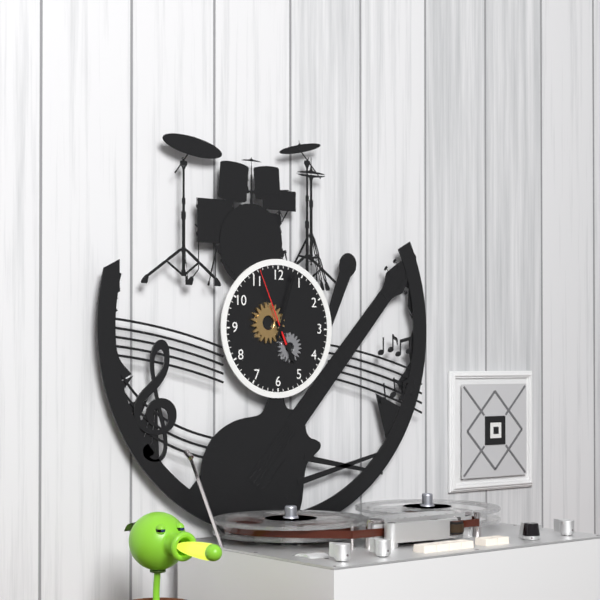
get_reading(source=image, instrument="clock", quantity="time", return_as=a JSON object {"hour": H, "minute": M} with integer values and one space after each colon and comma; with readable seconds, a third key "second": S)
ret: {"hour": 5, "minute": 3, "second": 56}
